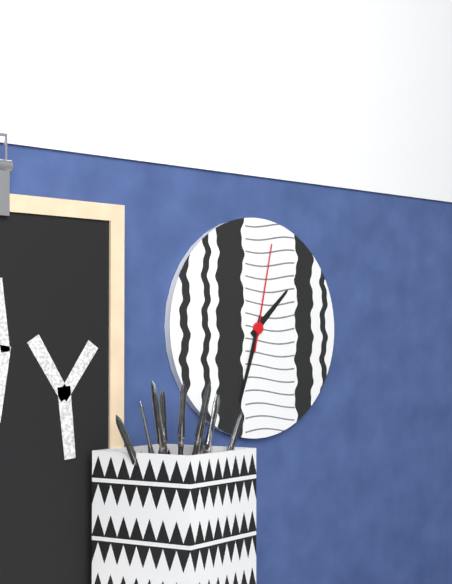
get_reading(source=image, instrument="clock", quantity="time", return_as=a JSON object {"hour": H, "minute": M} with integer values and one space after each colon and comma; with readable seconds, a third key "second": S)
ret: {"hour": 1, "minute": 33, "second": 2}
